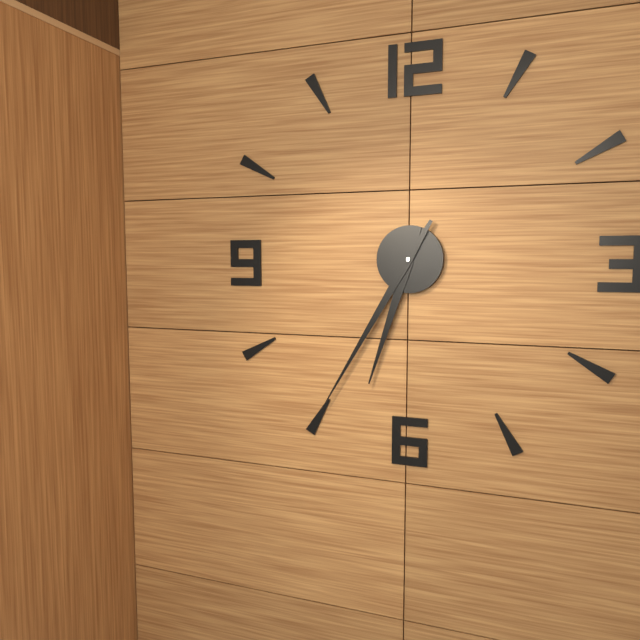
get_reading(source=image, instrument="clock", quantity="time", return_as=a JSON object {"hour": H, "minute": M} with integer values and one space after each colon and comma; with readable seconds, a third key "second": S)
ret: {"hour": 6, "minute": 35}
